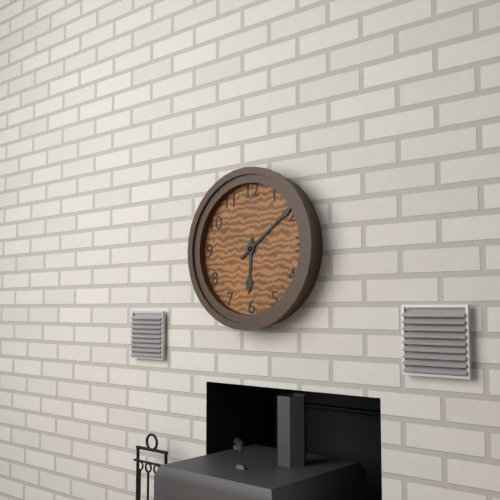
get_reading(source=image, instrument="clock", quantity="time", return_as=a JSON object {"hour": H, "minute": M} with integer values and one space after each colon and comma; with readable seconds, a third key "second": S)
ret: {"hour": 6, "minute": 9}
